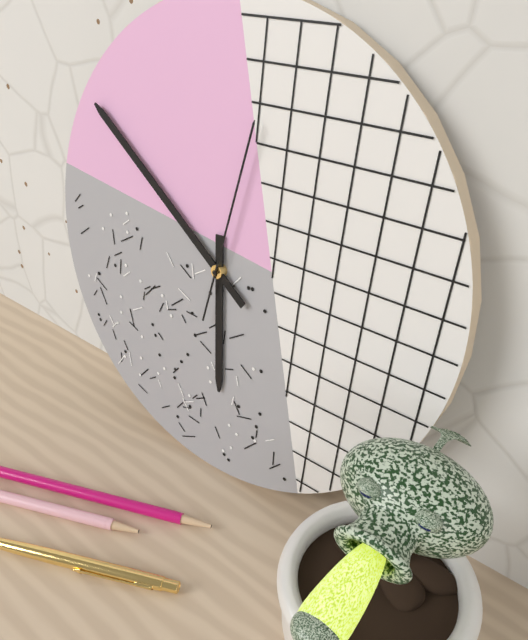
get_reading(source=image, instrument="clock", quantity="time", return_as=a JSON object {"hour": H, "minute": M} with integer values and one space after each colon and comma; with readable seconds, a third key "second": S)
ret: {"hour": 5, "minute": 51, "second": 2}
